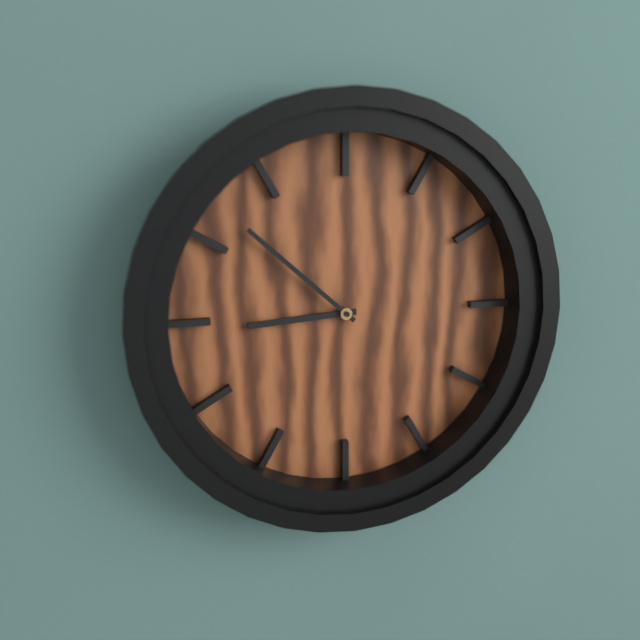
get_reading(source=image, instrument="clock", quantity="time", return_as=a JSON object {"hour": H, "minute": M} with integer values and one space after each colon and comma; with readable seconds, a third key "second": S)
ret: {"hour": 8, "minute": 52}
